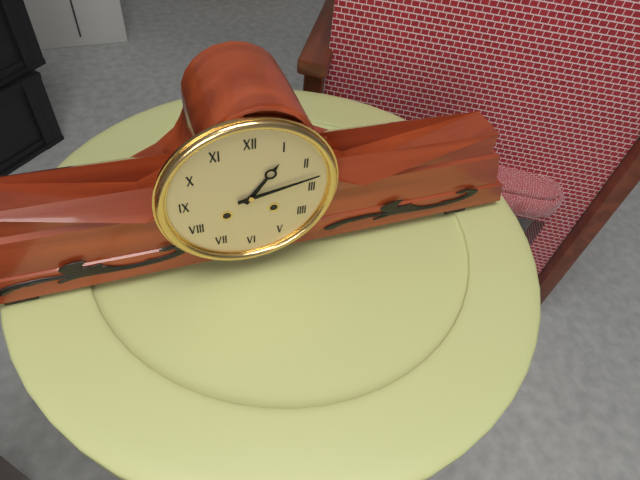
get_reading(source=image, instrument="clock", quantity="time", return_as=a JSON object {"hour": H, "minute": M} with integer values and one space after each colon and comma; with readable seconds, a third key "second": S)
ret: {"hour": 1, "minute": 13}
